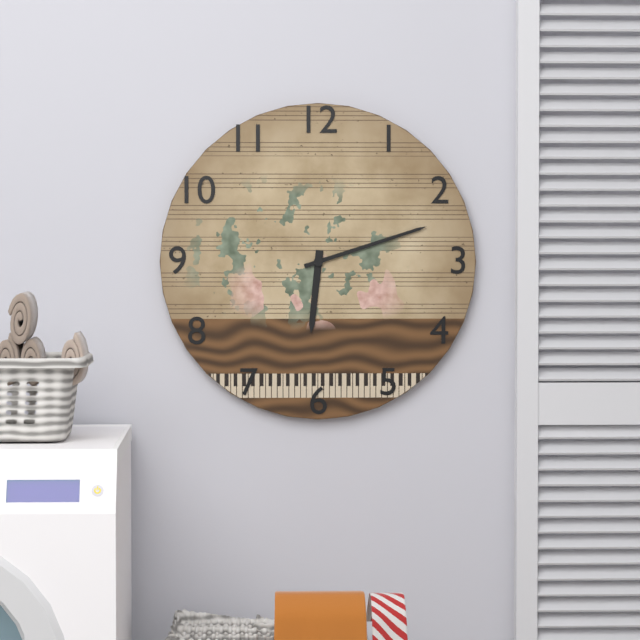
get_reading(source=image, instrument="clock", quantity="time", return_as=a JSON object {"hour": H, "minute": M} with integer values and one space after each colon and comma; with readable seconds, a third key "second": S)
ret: {"hour": 6, "minute": 12}
